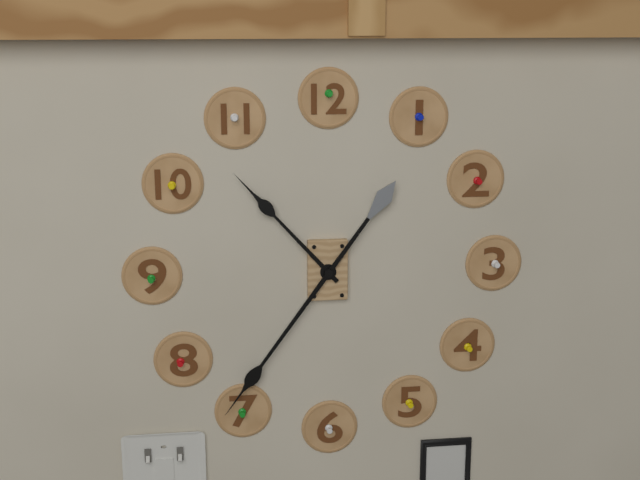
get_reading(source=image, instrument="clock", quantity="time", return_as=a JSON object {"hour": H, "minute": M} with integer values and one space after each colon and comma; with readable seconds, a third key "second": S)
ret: {"hour": 10, "minute": 36}
